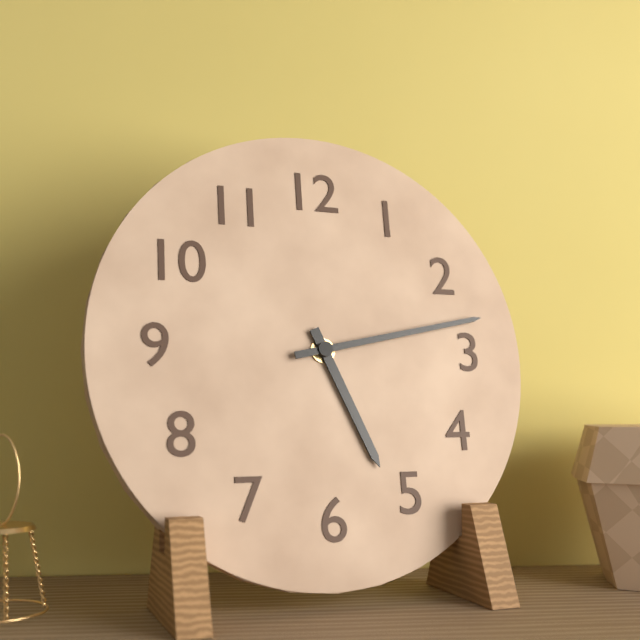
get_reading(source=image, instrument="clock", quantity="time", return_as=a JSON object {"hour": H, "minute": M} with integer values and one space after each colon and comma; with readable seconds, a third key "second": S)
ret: {"hour": 5, "minute": 13}
